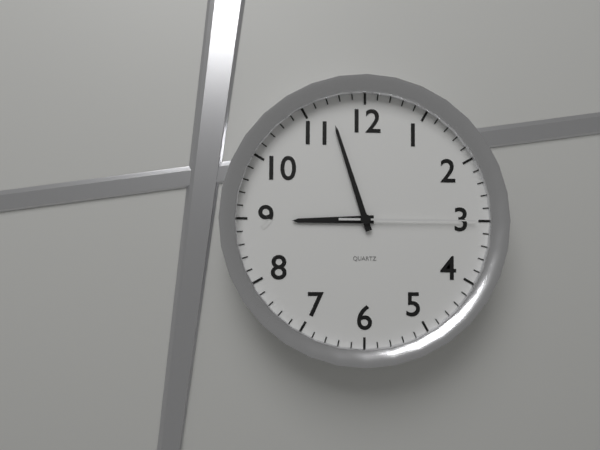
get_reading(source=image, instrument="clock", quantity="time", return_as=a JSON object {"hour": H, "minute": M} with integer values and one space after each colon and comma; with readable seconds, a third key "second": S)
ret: {"hour": 8, "minute": 57, "second": 15}
